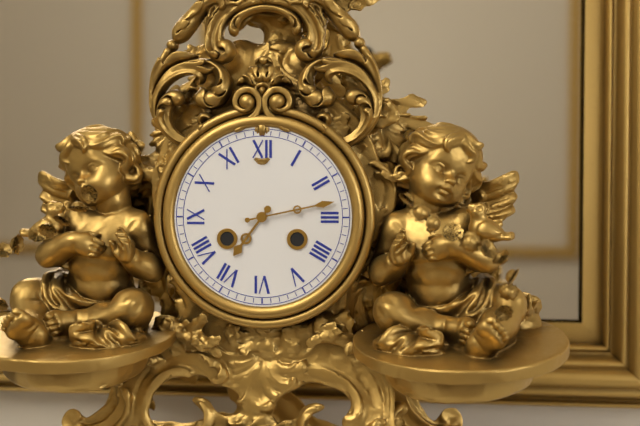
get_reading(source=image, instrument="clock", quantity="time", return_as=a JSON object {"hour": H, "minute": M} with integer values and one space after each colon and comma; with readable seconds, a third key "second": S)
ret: {"hour": 7, "minute": 13}
